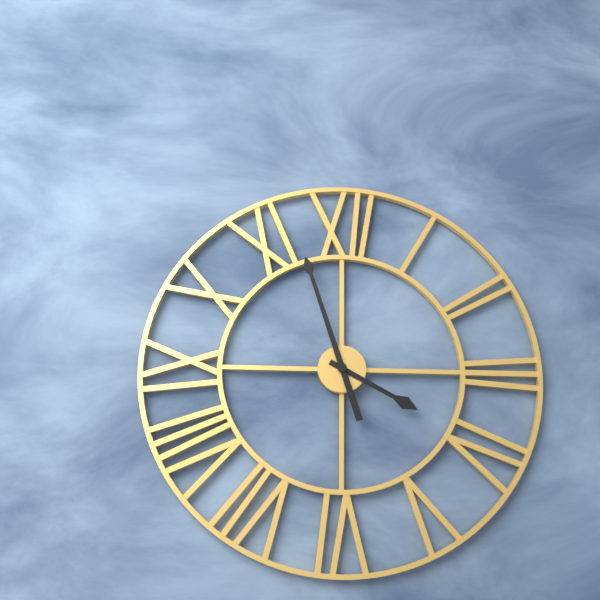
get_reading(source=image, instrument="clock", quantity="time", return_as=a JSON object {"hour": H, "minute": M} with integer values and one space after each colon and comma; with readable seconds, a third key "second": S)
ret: {"hour": 3, "minute": 57}
